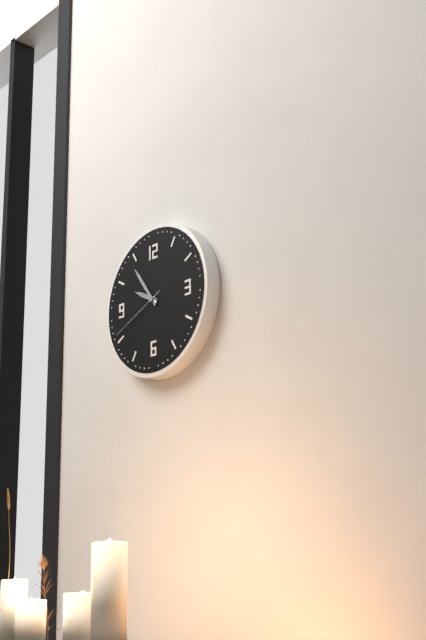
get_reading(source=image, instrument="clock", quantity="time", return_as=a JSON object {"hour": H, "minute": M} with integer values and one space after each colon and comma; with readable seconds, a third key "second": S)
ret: {"hour": 9, "minute": 54, "second": 41}
